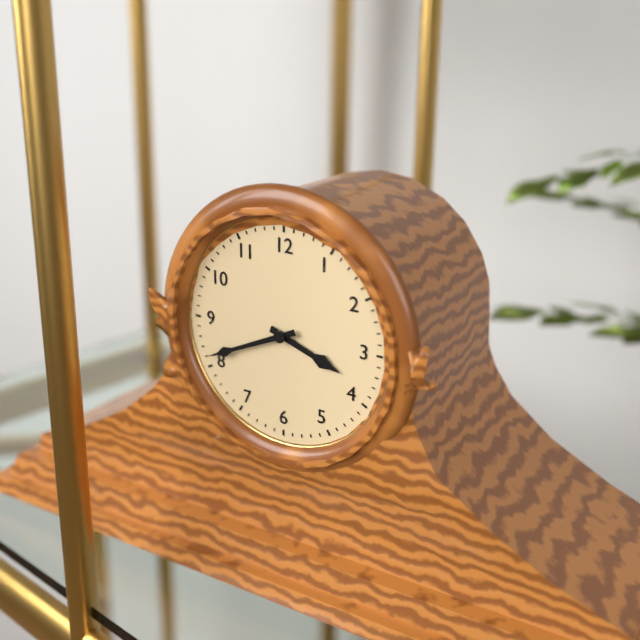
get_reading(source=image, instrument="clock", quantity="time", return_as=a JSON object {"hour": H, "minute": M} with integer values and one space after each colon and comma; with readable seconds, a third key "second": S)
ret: {"hour": 3, "minute": 41}
